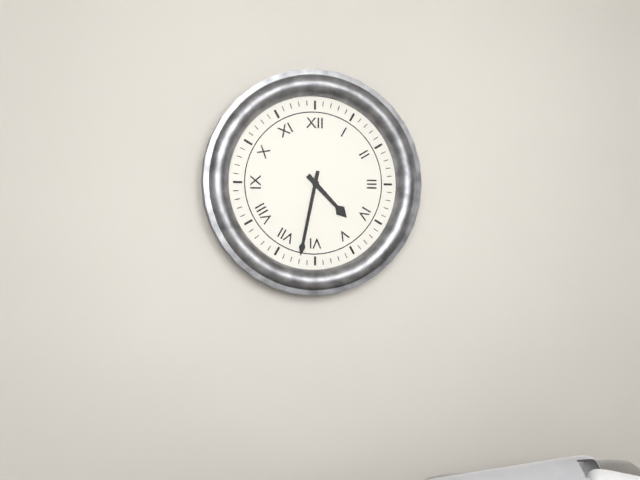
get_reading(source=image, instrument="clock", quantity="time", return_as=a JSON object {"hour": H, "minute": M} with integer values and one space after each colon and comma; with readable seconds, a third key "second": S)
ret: {"hour": 4, "minute": 32}
